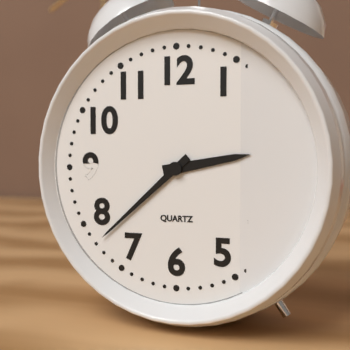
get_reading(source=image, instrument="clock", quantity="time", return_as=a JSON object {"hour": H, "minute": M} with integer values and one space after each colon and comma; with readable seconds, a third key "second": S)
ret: {"hour": 2, "minute": 38}
